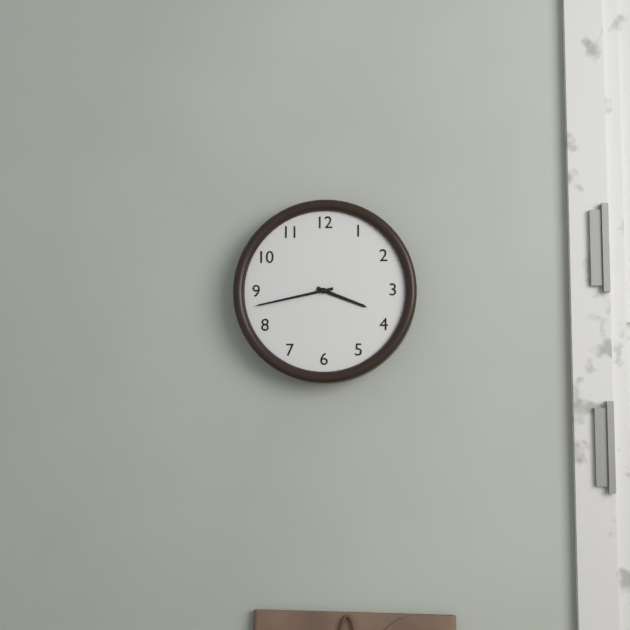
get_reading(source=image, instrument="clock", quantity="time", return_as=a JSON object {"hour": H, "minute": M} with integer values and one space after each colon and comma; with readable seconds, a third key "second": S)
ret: {"hour": 3, "minute": 43}
